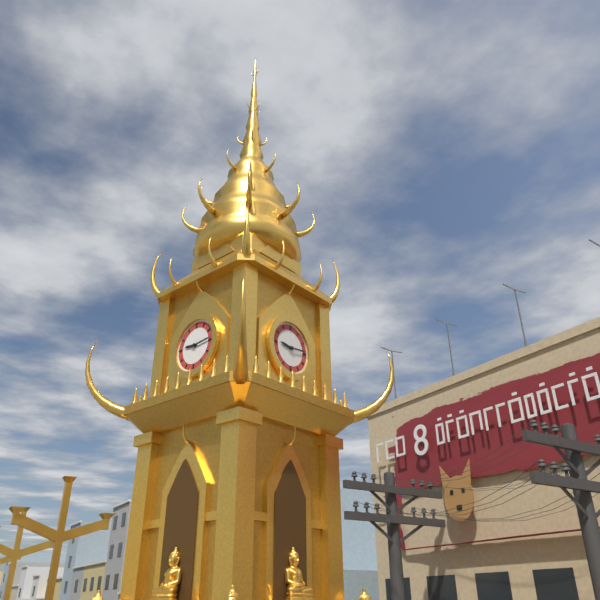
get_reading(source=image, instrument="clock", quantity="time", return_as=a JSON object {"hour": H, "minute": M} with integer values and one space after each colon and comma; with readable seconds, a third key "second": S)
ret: {"hour": 9, "minute": 14}
